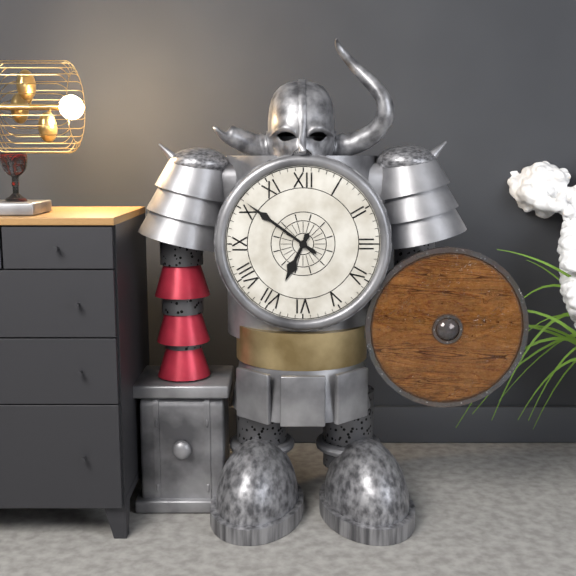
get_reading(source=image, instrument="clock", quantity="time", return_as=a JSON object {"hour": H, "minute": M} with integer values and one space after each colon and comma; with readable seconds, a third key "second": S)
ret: {"hour": 6, "minute": 51}
